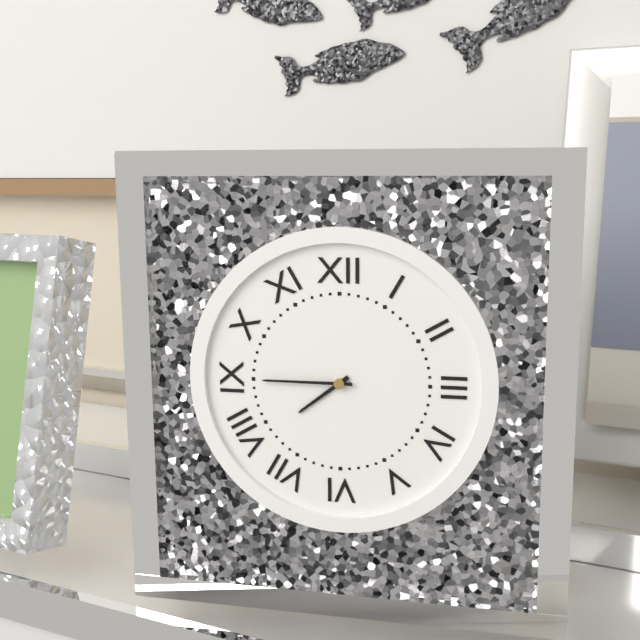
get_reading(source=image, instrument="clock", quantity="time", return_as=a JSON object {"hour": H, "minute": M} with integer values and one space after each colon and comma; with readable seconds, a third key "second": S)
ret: {"hour": 7, "minute": 45}
